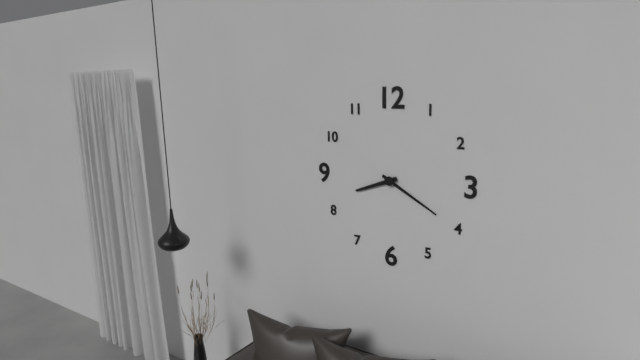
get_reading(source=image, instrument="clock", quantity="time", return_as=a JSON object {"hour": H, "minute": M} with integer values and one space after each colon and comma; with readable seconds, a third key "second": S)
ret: {"hour": 8, "minute": 20}
